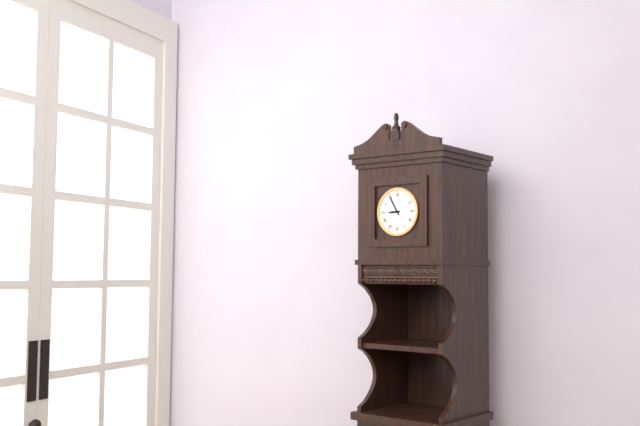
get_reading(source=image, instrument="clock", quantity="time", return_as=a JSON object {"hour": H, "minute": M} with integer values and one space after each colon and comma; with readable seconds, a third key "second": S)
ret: {"hour": 8, "minute": 55}
